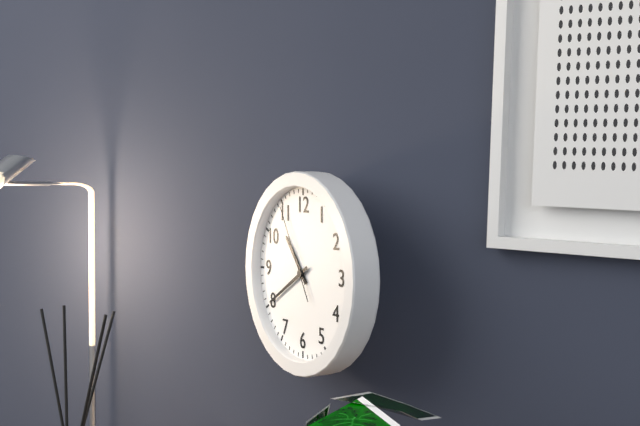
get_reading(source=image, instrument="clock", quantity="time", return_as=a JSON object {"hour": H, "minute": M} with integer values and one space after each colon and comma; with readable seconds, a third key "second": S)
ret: {"hour": 10, "minute": 40, "second": 55}
